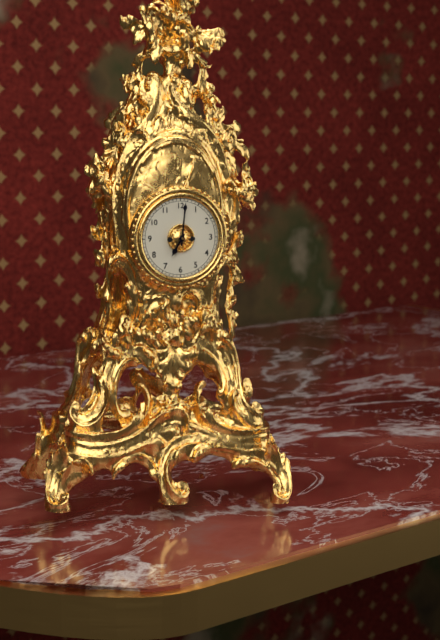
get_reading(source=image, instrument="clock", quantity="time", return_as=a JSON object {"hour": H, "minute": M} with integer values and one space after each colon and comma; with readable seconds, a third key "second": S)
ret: {"hour": 7, "minute": 1}
